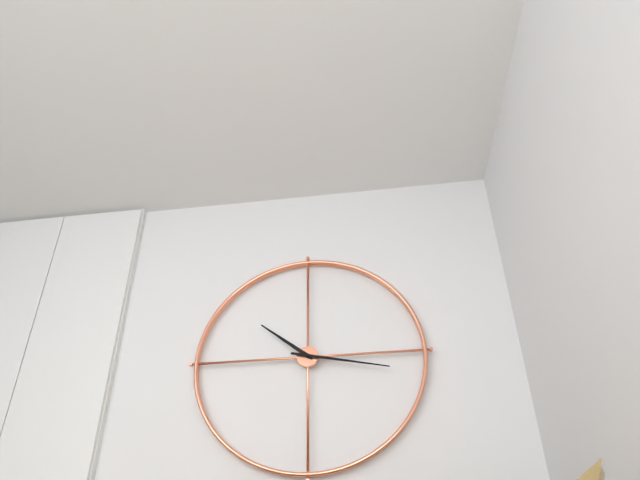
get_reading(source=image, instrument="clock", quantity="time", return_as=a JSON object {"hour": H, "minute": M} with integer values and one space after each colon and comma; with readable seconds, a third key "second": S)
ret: {"hour": 10, "minute": 17}
